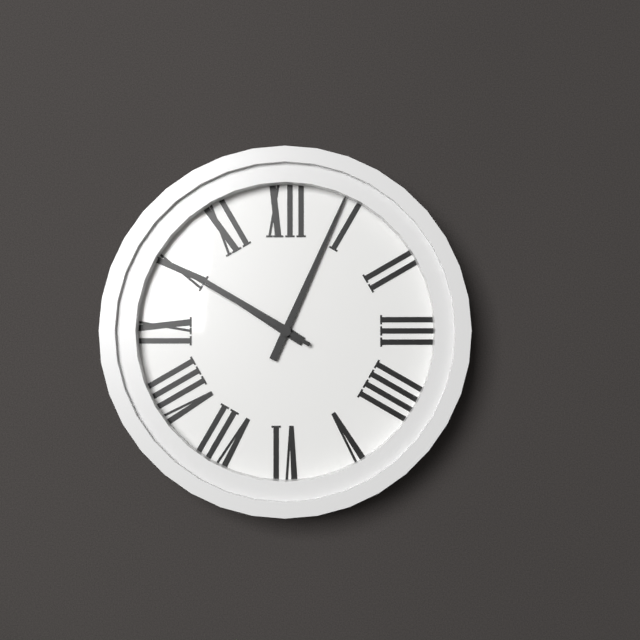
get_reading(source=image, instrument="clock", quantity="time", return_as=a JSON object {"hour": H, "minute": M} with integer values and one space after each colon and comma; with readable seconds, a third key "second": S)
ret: {"hour": 10, "minute": 4, "second": 50}
